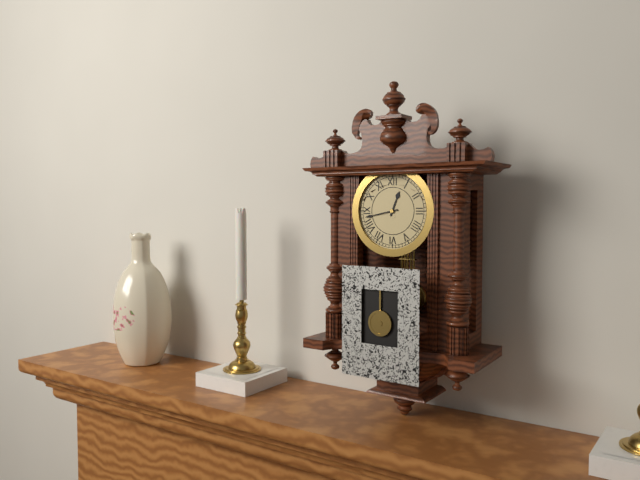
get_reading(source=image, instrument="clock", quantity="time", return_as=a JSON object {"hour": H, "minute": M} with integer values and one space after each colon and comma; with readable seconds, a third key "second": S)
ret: {"hour": 12, "minute": 43}
